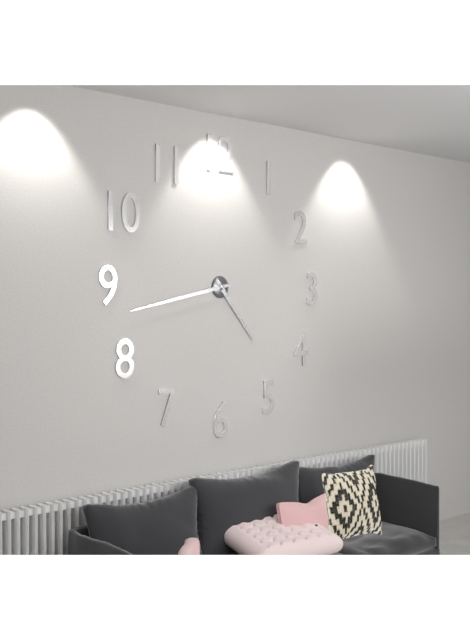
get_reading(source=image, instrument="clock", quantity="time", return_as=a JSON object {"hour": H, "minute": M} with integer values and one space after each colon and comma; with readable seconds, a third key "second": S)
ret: {"hour": 4, "minute": 43}
